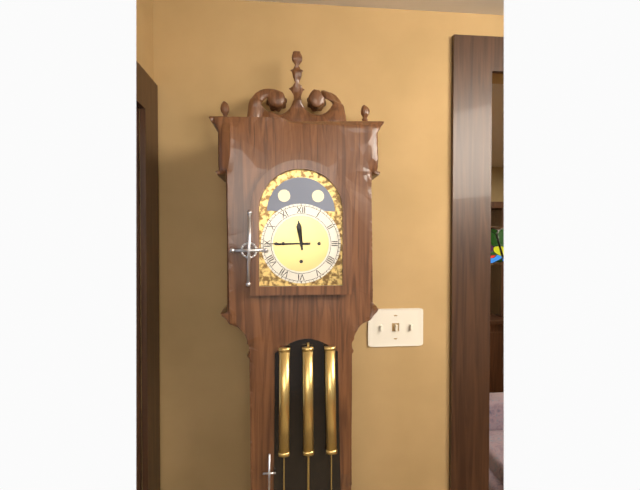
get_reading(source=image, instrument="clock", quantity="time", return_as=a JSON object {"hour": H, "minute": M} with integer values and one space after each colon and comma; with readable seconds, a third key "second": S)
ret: {"hour": 11, "minute": 45}
